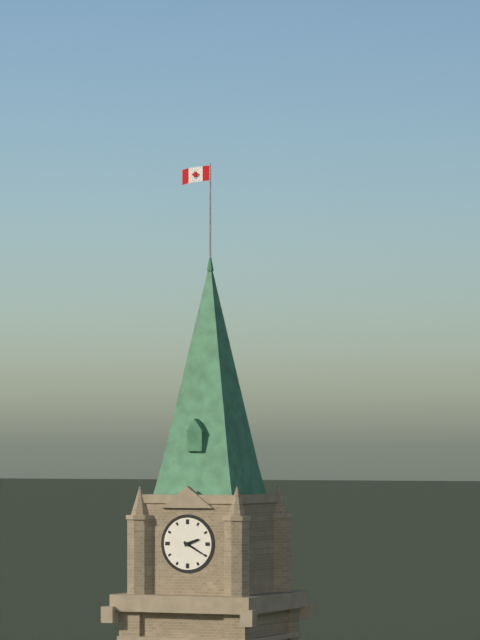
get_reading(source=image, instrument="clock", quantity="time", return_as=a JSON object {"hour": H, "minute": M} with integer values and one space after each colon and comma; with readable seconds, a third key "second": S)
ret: {"hour": 2, "minute": 20}
